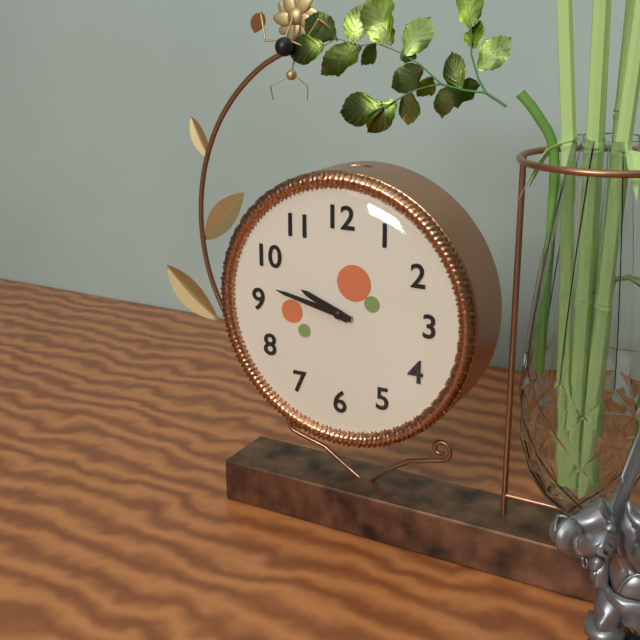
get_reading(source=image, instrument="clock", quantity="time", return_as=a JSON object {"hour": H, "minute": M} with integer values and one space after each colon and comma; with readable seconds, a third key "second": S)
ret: {"hour": 9, "minute": 47}
